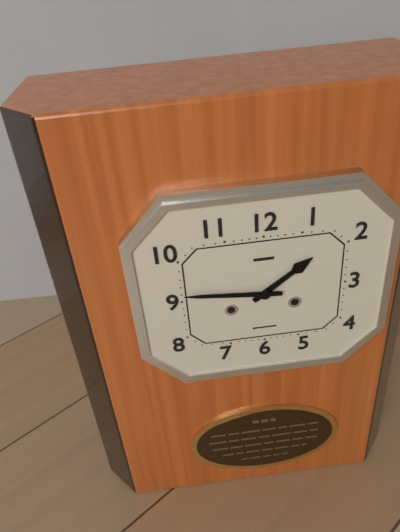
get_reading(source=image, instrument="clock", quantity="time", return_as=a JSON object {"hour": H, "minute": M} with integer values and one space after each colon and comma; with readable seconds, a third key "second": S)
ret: {"hour": 1, "minute": 46}
